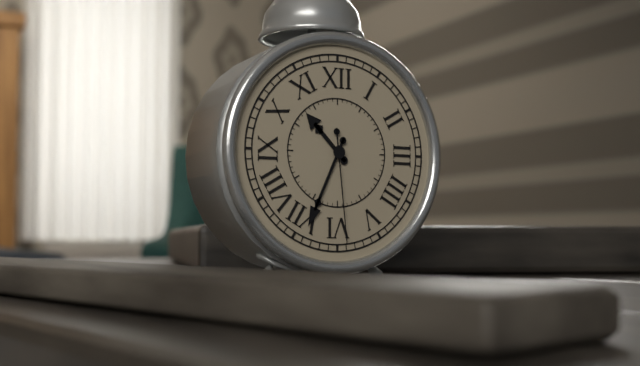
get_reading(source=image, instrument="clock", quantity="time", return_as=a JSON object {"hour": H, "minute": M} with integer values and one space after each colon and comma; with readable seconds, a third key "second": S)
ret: {"hour": 10, "minute": 34, "second": 29}
